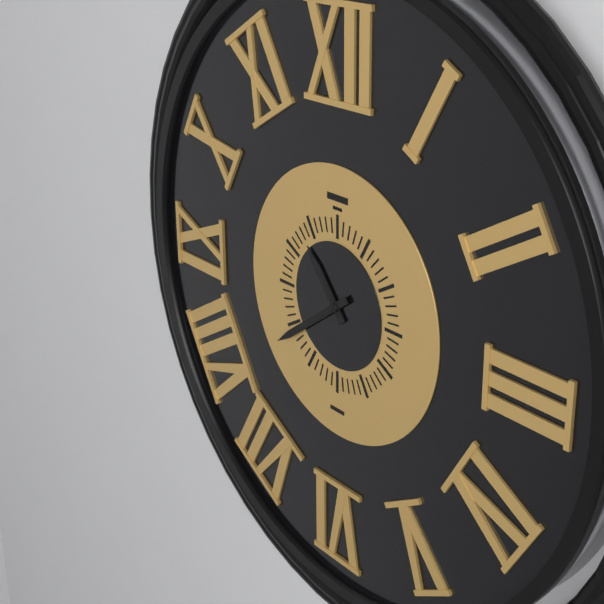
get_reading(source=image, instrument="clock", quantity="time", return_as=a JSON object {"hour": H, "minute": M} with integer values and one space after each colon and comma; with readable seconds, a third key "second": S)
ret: {"hour": 10, "minute": 39}
